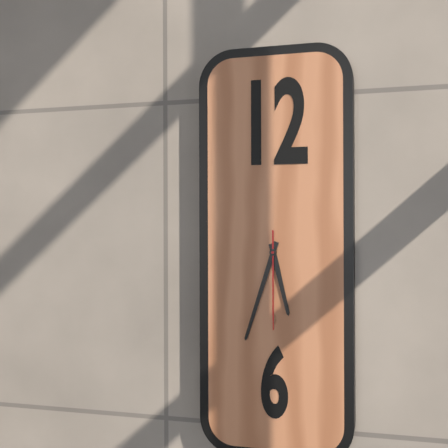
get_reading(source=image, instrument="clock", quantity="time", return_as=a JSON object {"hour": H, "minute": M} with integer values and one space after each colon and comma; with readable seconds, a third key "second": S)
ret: {"hour": 5, "minute": 33, "second": 30}
